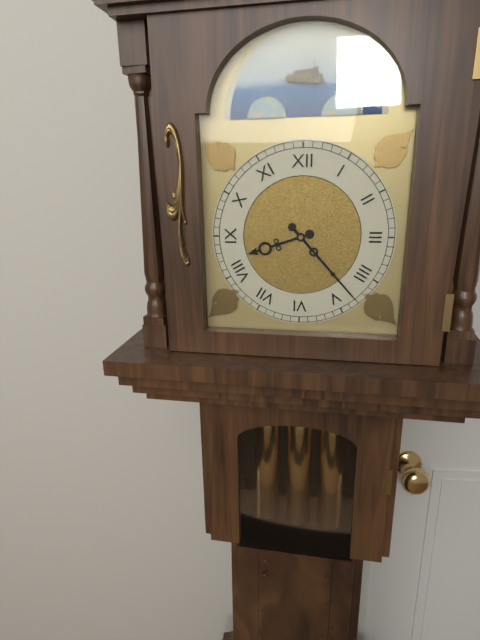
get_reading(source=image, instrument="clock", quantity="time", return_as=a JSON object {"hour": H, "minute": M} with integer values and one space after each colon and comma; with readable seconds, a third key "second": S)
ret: {"hour": 8, "minute": 23}
